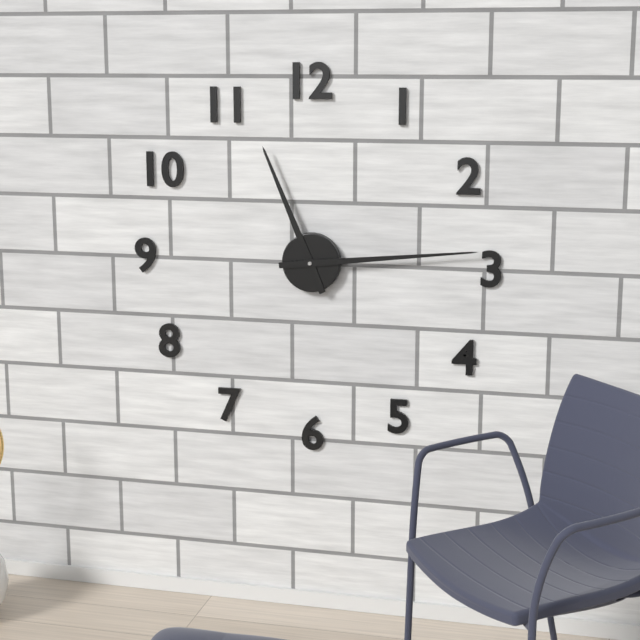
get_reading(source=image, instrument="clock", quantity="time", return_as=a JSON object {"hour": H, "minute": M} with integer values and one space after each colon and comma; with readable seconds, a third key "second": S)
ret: {"hour": 11, "minute": 14}
